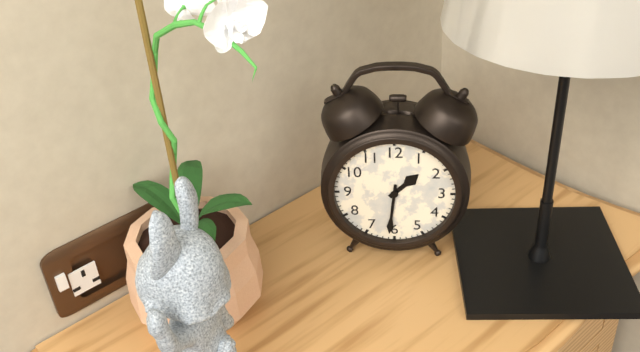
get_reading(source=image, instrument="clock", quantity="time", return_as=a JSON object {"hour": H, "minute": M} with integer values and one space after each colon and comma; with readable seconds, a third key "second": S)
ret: {"hour": 1, "minute": 31}
